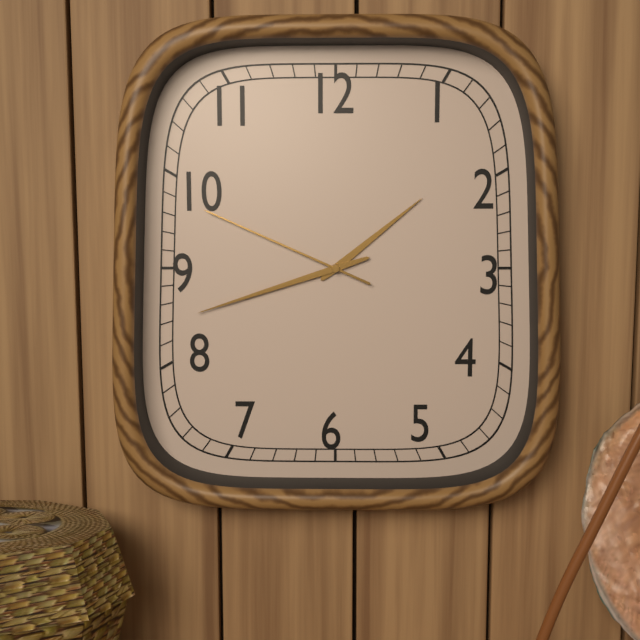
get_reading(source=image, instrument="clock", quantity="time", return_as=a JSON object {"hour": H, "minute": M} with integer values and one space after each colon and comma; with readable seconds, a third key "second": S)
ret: {"hour": 1, "minute": 42, "second": 49}
